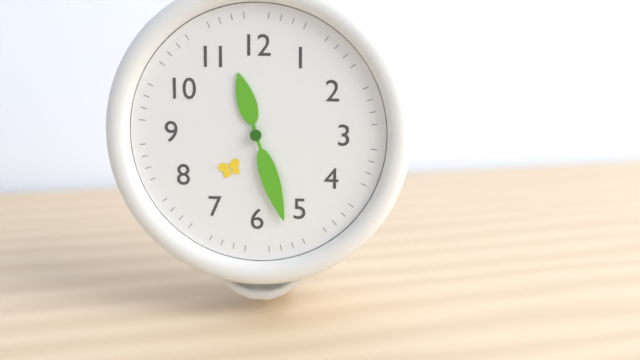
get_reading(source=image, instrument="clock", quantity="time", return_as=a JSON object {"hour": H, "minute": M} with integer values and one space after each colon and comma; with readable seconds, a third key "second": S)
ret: {"hour": 11, "minute": 27}
